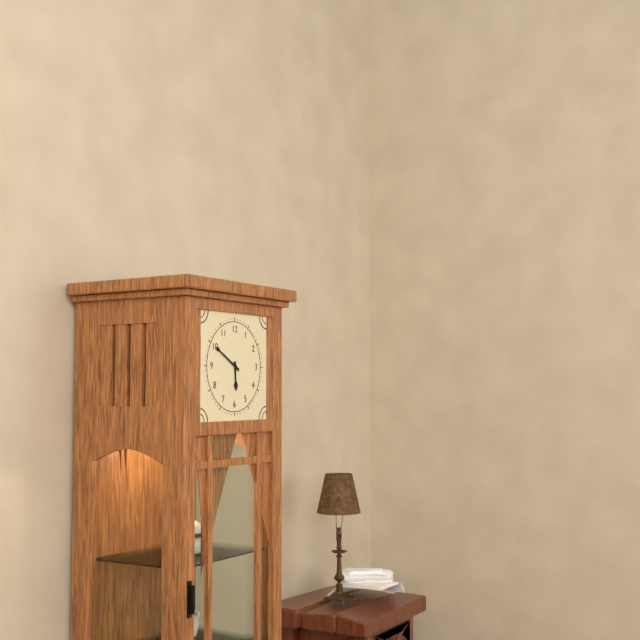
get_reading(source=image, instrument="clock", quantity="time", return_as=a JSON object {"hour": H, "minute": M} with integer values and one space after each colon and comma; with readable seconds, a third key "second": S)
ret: {"hour": 5, "minute": 50}
